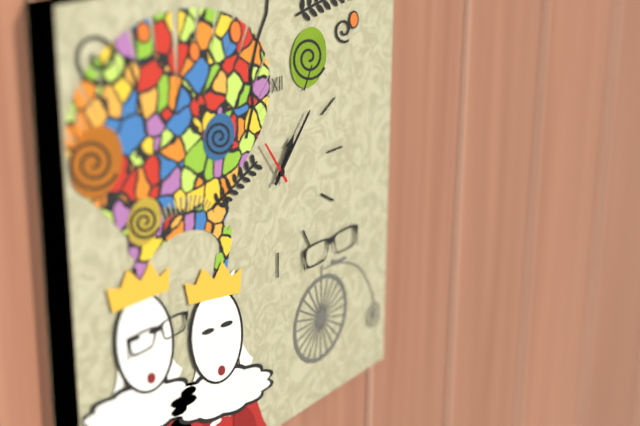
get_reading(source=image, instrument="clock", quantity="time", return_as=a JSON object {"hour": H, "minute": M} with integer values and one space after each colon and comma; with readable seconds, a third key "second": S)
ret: {"hour": 1, "minute": 7}
